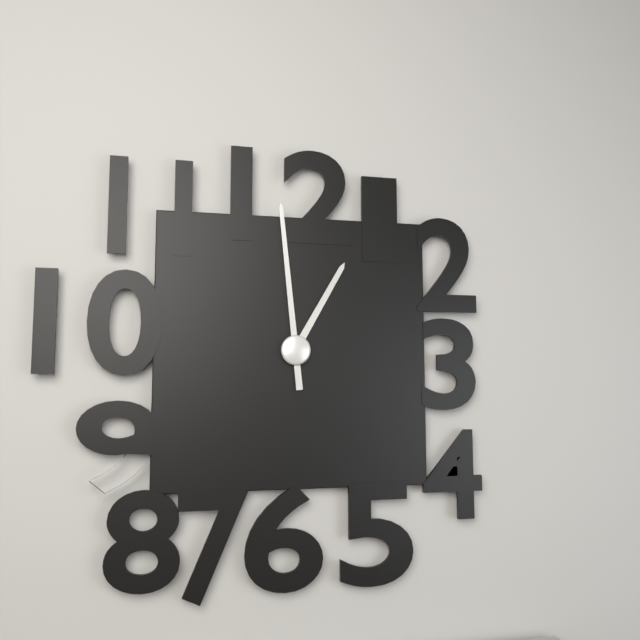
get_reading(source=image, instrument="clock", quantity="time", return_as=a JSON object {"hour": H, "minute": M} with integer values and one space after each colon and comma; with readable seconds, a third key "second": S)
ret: {"hour": 12, "minute": 59}
